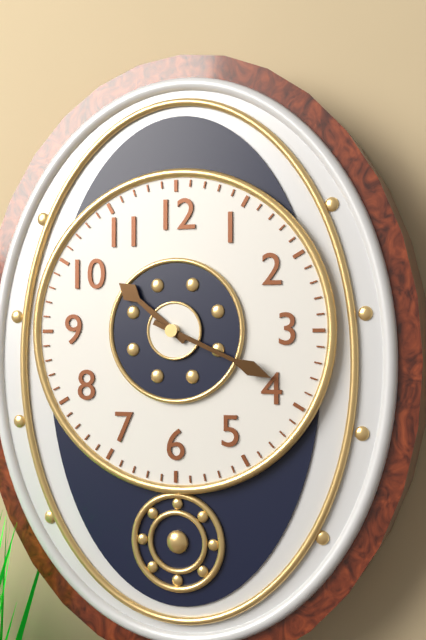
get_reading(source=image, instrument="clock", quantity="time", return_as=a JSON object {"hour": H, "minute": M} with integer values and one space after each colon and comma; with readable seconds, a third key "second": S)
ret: {"hour": 10, "minute": 19}
